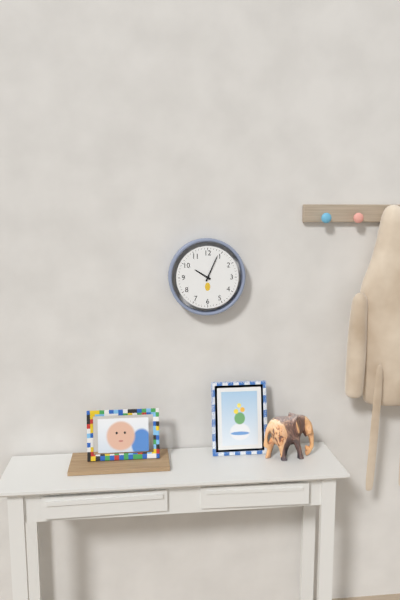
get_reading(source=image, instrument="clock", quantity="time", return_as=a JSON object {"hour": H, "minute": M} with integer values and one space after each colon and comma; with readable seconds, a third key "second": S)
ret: {"hour": 10, "minute": 4}
